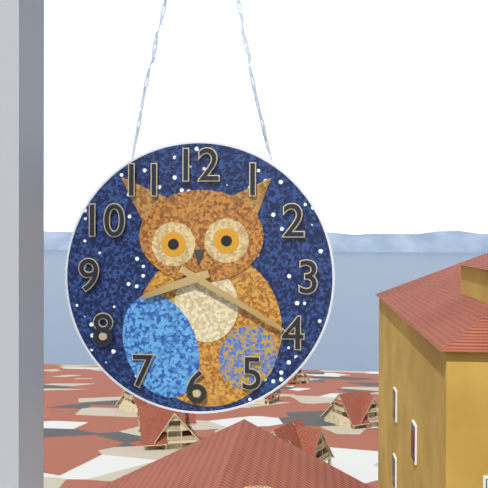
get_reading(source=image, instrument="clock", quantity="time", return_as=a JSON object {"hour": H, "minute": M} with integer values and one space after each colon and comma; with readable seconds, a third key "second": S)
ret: {"hour": 8, "minute": 20}
